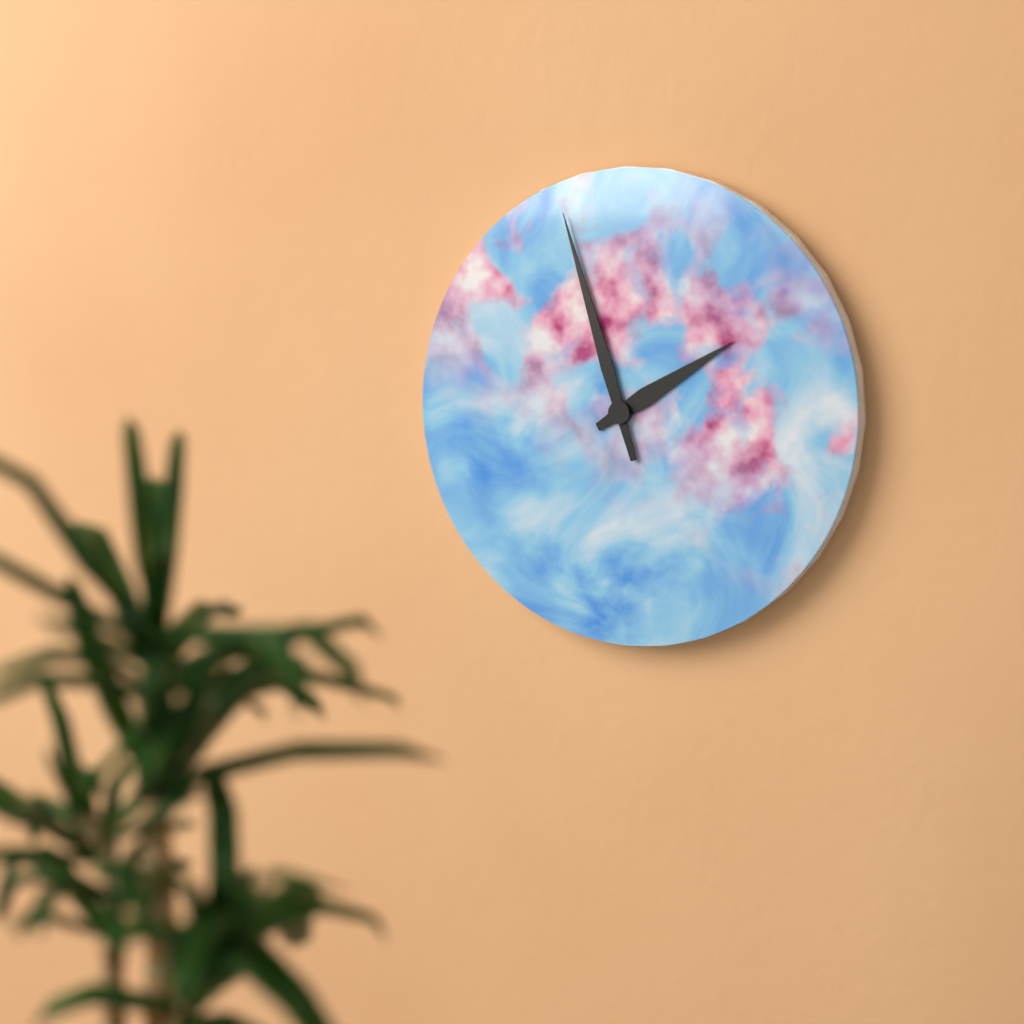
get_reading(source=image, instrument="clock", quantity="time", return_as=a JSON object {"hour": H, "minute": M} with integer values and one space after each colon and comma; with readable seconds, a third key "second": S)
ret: {"hour": 1, "minute": 57}
